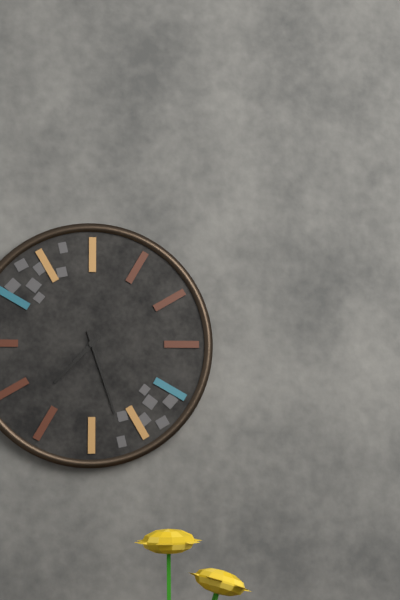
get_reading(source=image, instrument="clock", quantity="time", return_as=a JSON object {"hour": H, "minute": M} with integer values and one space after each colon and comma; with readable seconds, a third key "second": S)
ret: {"hour": 7, "minute": 27}
